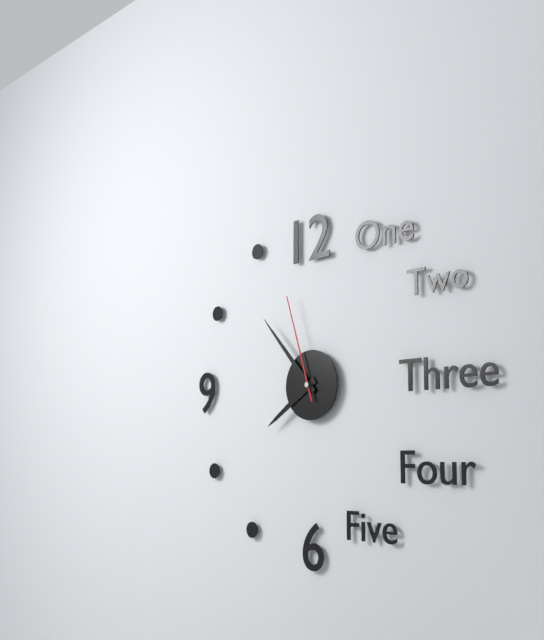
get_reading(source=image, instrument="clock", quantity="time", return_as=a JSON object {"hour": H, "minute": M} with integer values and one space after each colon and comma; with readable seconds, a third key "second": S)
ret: {"hour": 7, "minute": 53, "second": 57}
